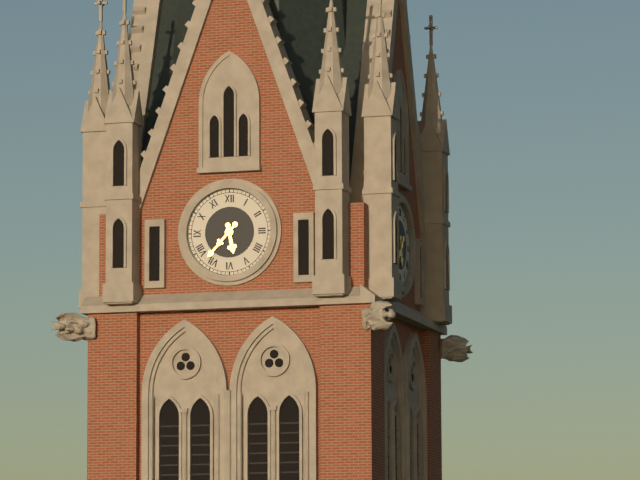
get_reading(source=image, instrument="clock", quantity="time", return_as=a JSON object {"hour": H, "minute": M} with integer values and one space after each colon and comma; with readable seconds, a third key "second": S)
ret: {"hour": 5, "minute": 37}
